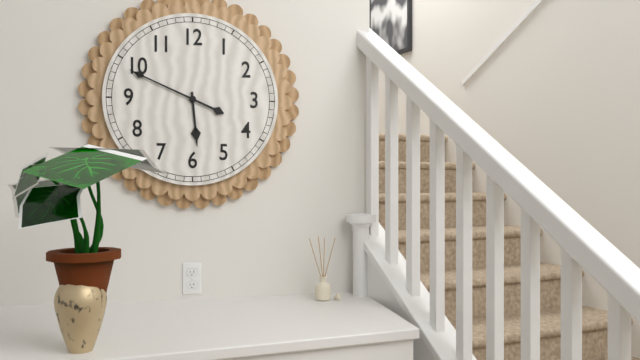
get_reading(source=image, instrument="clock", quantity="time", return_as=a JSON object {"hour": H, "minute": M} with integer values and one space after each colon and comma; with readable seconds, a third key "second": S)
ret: {"hour": 5, "minute": 49}
